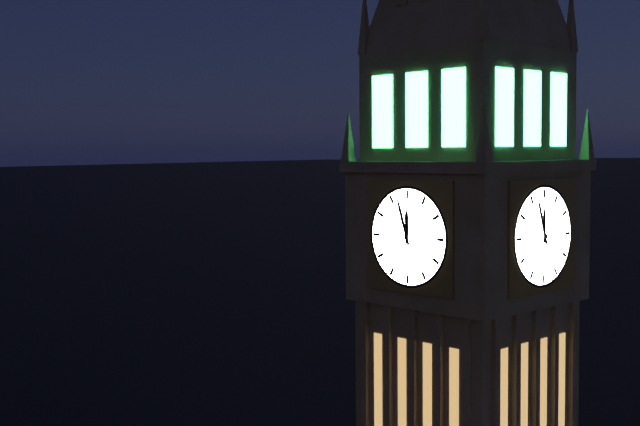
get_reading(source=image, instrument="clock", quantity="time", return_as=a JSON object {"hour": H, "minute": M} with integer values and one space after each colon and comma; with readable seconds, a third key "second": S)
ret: {"hour": 11, "minute": 57}
